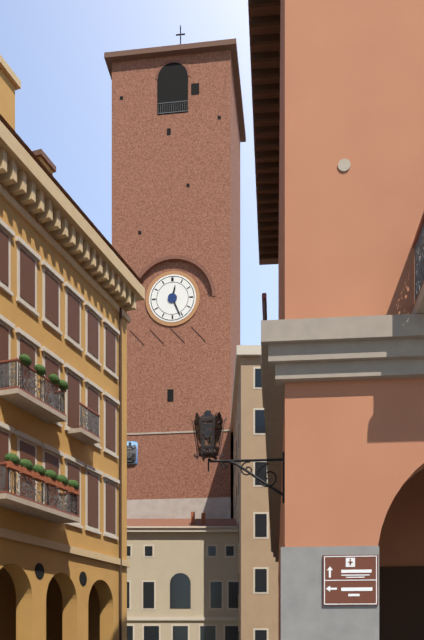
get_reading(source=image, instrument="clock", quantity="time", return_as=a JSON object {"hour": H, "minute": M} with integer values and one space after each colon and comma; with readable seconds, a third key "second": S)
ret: {"hour": 12, "minute": 26}
